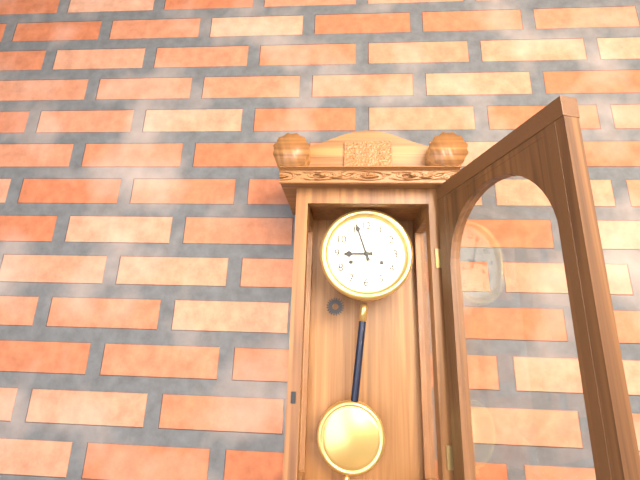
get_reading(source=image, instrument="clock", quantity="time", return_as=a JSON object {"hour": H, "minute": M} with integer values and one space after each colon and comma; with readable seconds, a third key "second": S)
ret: {"hour": 8, "minute": 57}
